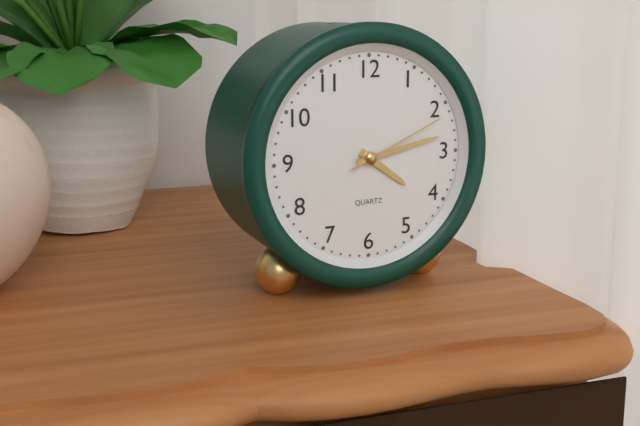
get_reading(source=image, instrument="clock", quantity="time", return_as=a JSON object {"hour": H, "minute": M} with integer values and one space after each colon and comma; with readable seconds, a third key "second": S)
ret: {"hour": 4, "minute": 13, "second": 11}
